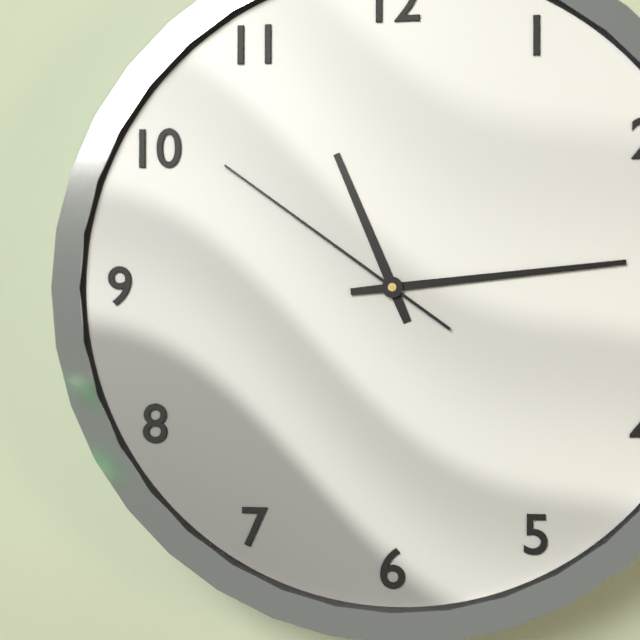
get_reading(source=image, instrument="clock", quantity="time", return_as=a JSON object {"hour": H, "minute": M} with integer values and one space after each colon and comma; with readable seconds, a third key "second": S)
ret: {"hour": 11, "minute": 14, "second": 51}
